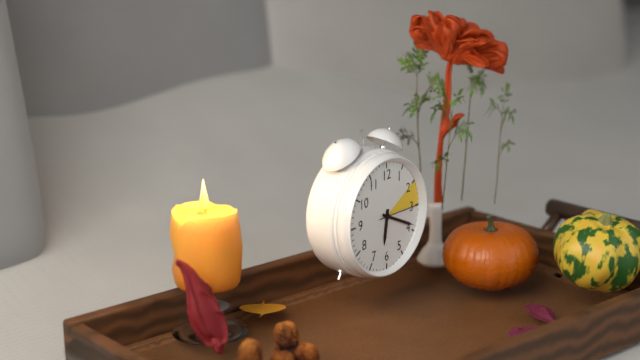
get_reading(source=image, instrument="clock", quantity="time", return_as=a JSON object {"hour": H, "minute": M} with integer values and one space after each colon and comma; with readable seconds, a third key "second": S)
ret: {"hour": 6, "minute": 19}
